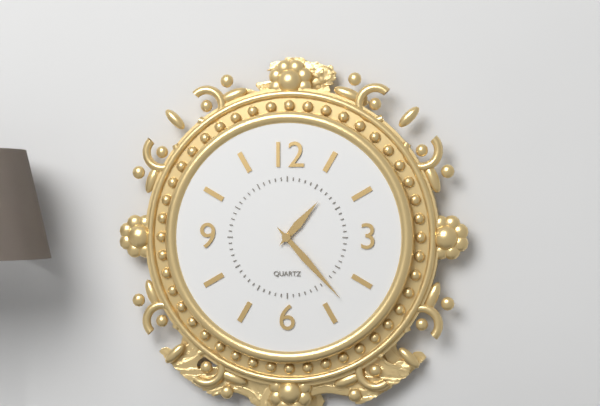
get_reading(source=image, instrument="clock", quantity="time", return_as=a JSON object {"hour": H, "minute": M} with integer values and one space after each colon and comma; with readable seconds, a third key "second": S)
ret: {"hour": 1, "minute": 23}
